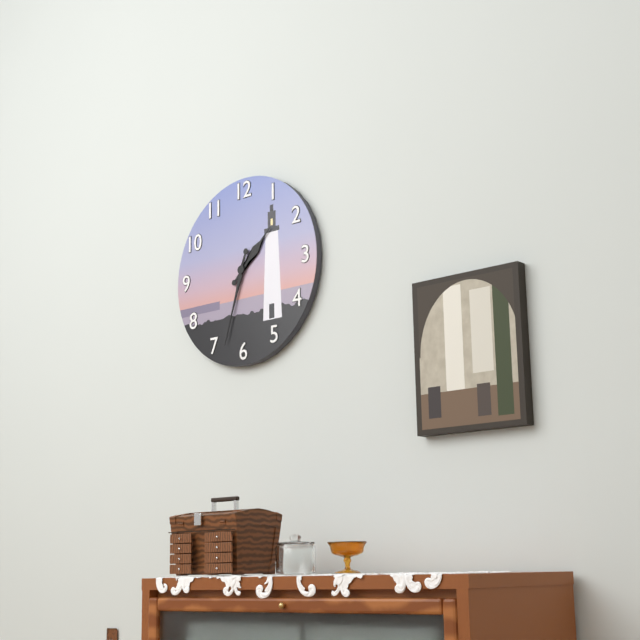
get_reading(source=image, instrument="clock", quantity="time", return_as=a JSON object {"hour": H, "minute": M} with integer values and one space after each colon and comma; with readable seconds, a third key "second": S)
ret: {"hour": 1, "minute": 33}
